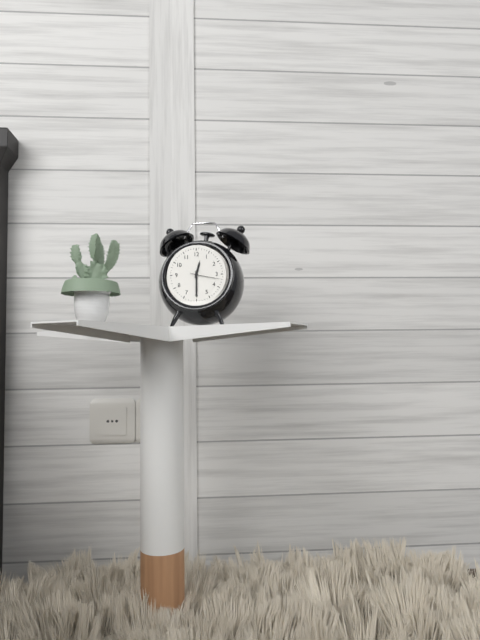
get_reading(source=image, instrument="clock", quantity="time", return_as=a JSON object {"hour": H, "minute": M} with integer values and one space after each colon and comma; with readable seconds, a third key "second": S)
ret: {"hour": 12, "minute": 30}
